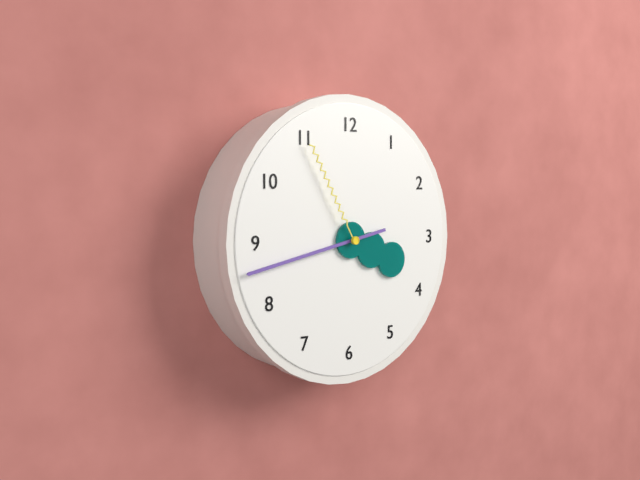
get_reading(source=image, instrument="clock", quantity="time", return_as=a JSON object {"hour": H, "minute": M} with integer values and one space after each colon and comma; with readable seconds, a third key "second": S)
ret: {"hour": 3, "minute": 43, "second": 55}
